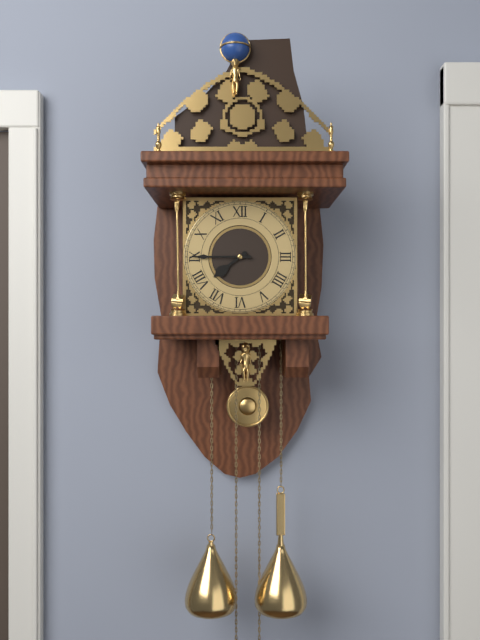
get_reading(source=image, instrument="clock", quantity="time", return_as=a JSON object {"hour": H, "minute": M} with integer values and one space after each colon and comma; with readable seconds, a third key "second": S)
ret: {"hour": 7, "minute": 45}
